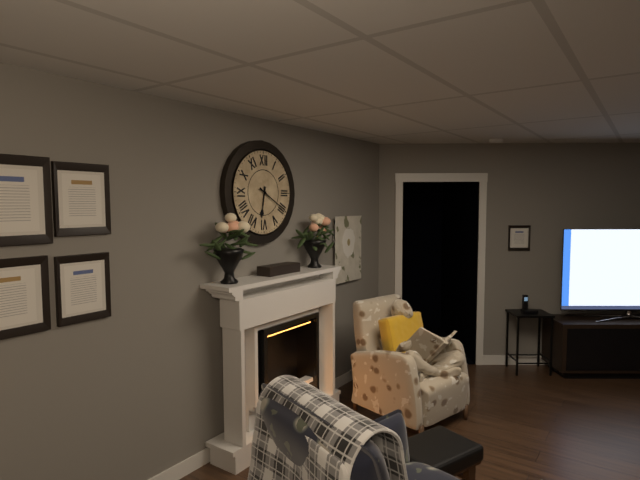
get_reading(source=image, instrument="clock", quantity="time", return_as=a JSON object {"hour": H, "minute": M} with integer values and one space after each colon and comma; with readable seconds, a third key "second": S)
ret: {"hour": 6, "minute": 20}
